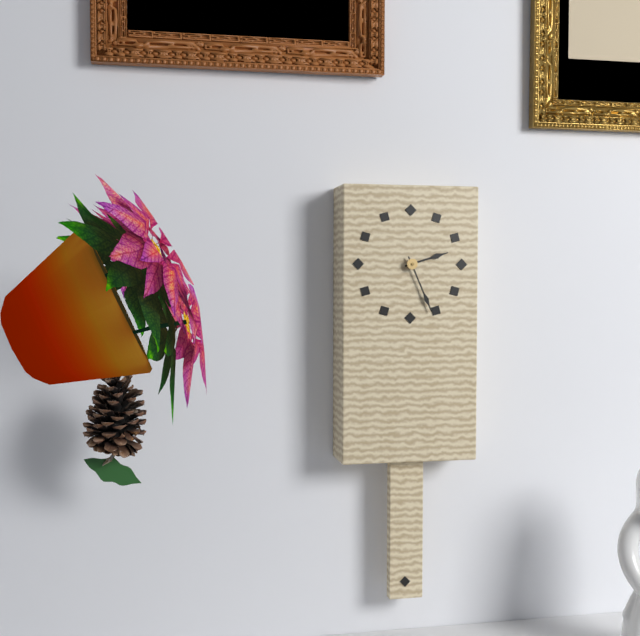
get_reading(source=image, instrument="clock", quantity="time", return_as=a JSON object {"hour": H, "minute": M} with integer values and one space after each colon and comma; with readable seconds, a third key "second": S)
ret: {"hour": 2, "minute": 26}
